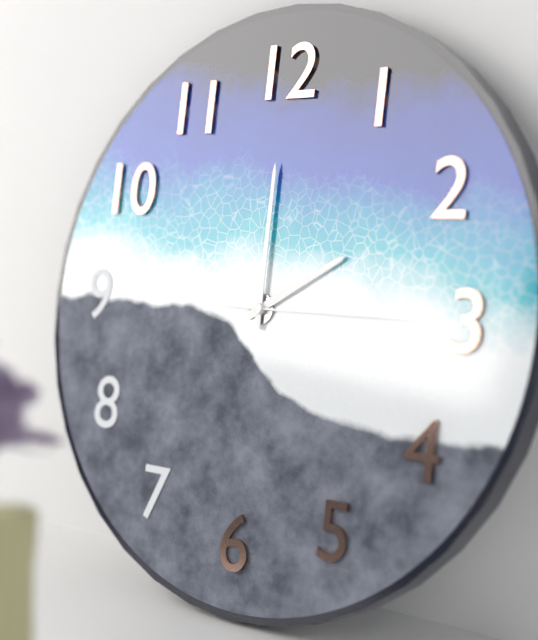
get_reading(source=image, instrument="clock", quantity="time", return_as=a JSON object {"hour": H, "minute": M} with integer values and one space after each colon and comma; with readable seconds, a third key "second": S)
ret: {"hour": 2, "minute": 0, "second": 15}
